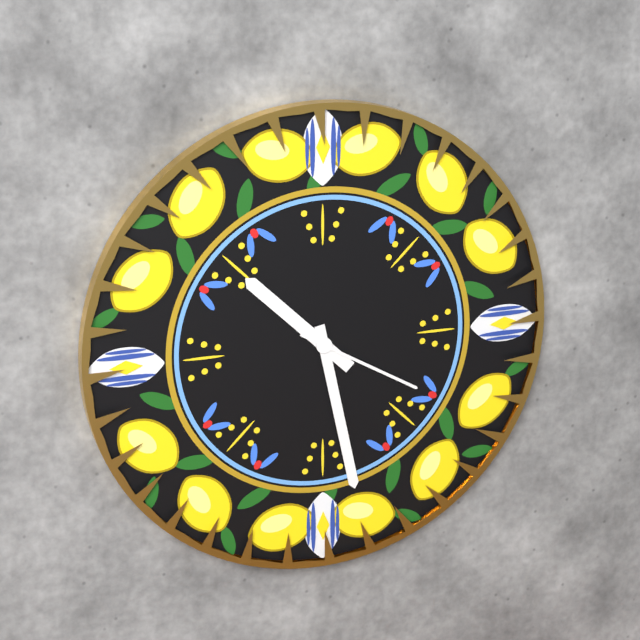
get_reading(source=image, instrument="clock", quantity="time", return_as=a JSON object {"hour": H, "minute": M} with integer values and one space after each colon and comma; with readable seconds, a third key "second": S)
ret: {"hour": 10, "minute": 28, "second": 20}
